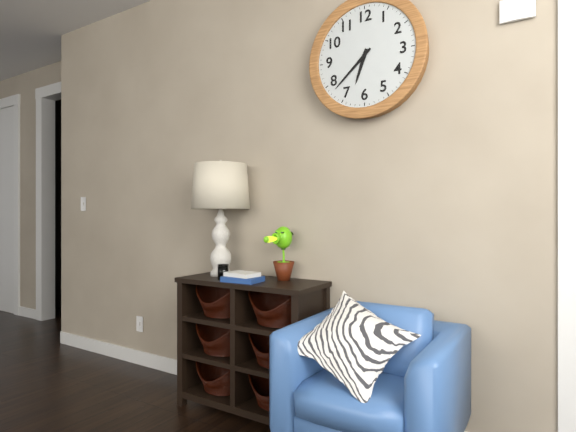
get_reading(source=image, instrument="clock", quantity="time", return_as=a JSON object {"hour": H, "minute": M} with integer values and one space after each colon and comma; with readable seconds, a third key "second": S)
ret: {"hour": 6, "minute": 38}
